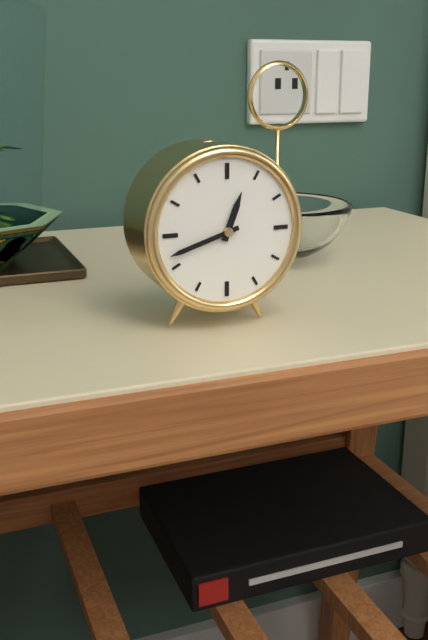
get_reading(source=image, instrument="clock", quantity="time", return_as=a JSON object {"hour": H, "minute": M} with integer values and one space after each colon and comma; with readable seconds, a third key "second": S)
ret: {"hour": 12, "minute": 42}
